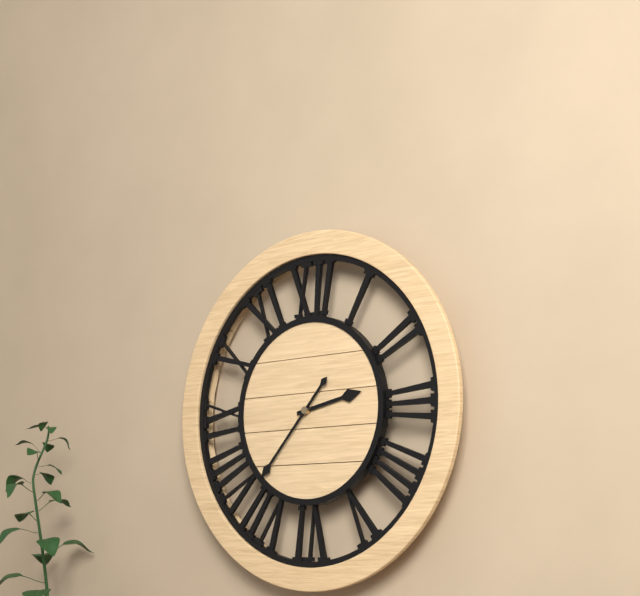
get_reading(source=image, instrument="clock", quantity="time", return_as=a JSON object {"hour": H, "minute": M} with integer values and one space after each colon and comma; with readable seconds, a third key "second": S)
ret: {"hour": 2, "minute": 37}
